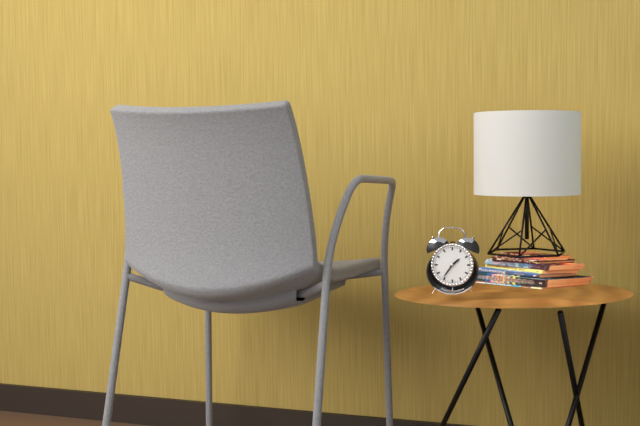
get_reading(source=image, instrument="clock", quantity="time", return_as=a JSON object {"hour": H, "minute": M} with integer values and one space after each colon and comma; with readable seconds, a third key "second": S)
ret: {"hour": 1, "minute": 36}
